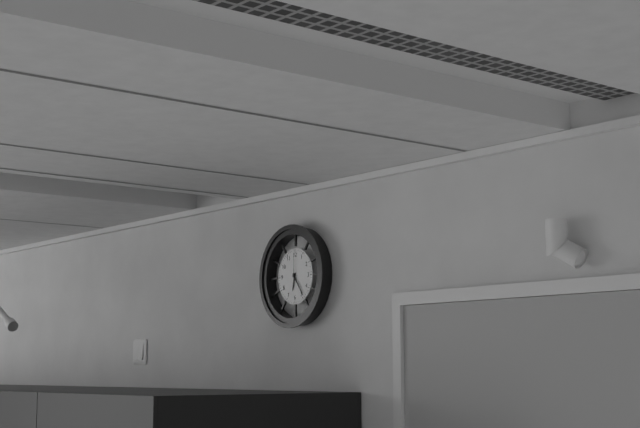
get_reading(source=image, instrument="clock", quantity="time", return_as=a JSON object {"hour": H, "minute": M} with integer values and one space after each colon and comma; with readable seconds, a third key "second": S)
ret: {"hour": 6, "minute": 24}
